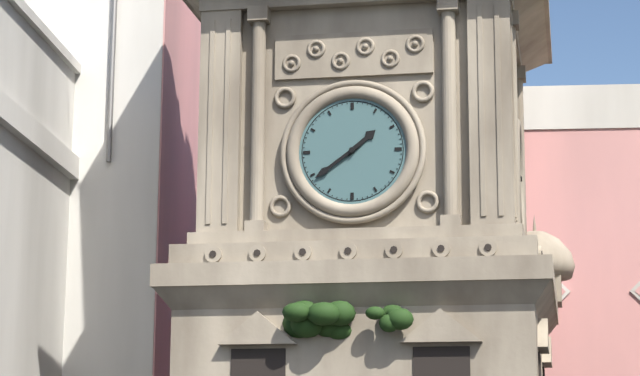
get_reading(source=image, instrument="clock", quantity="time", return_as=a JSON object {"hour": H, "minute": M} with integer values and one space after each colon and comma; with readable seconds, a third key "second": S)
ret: {"hour": 1, "minute": 39}
